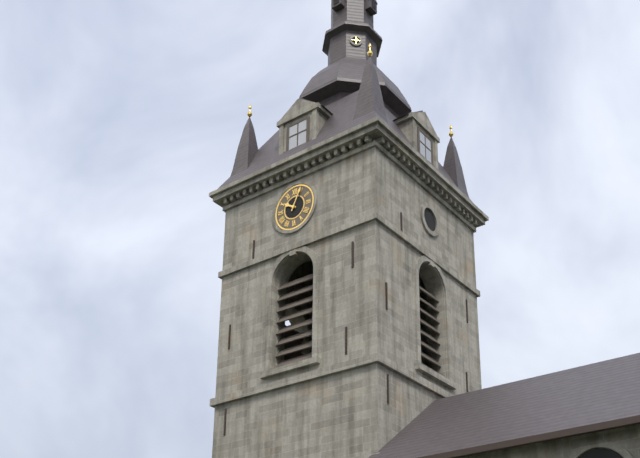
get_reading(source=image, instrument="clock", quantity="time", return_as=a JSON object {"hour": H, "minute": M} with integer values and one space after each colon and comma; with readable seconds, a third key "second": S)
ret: {"hour": 10, "minute": 4}
